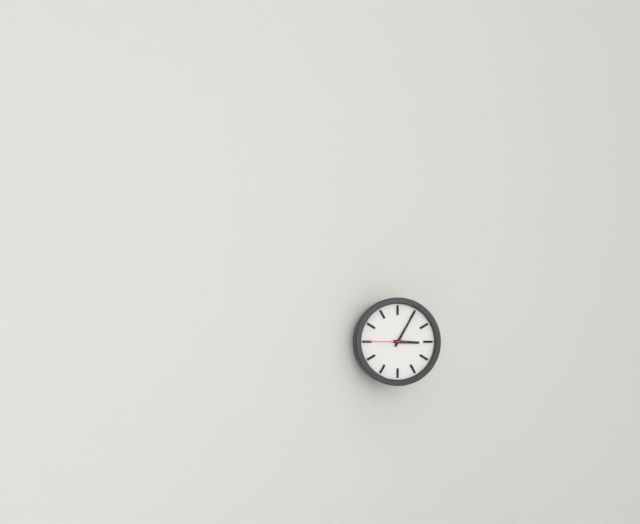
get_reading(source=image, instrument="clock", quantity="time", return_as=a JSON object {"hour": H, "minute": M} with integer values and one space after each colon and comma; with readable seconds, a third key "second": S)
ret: {"hour": 3, "minute": 5}
